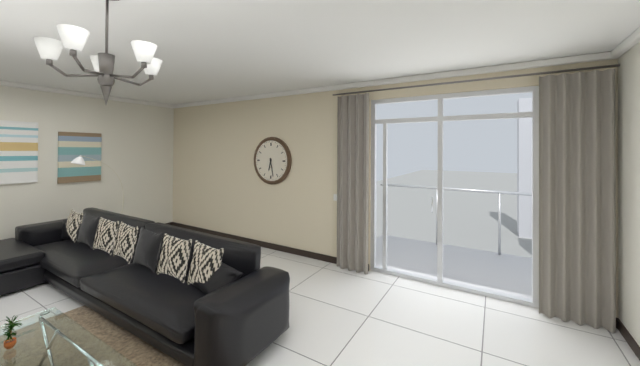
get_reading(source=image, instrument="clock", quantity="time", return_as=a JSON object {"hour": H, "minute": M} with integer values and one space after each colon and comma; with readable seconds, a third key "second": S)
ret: {"hour": 6, "minute": 28}
